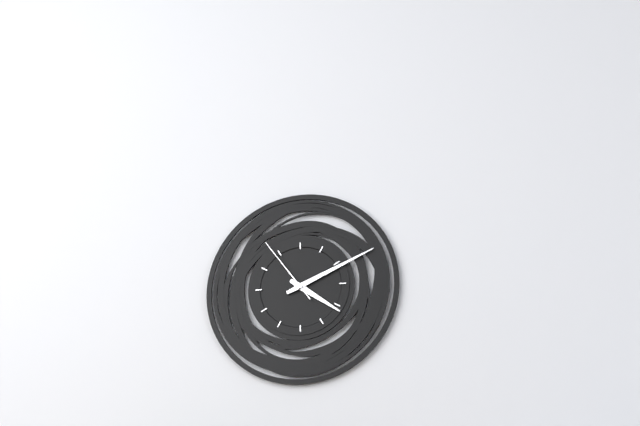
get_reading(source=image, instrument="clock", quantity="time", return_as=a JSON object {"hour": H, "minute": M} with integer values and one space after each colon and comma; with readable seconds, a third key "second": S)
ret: {"hour": 4, "minute": 11, "second": 54}
